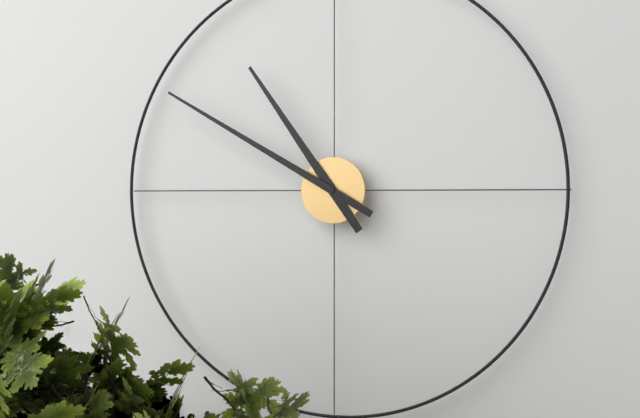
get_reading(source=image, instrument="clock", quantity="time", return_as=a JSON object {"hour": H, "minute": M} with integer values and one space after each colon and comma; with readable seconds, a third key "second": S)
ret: {"hour": 10, "minute": 50}
